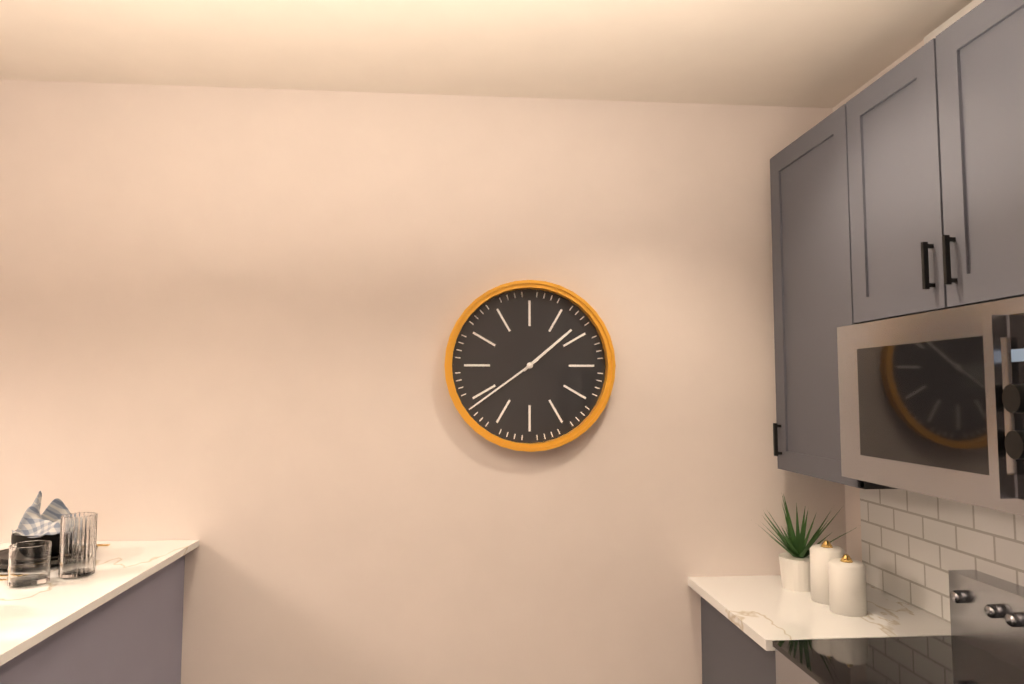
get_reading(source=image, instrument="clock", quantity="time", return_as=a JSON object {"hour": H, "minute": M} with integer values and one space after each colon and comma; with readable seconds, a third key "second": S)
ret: {"hour": 1, "minute": 39}
